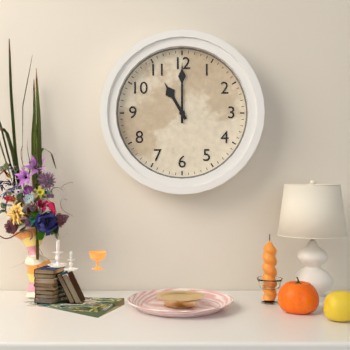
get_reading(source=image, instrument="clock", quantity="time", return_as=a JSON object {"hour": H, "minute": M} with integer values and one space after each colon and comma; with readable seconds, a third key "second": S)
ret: {"hour": 11, "minute": 0}
